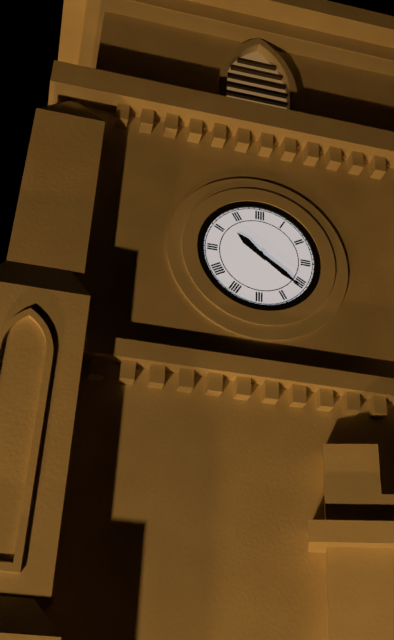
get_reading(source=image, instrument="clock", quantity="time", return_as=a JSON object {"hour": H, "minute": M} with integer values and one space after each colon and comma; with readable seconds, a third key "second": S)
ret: {"hour": 10, "minute": 21}
